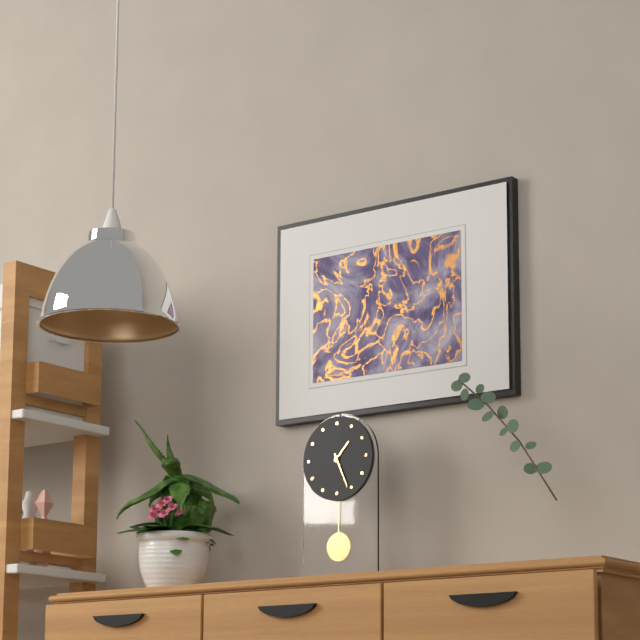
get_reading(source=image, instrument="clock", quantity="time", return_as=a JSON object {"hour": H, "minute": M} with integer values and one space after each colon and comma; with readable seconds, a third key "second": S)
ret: {"hour": 1, "minute": 26}
